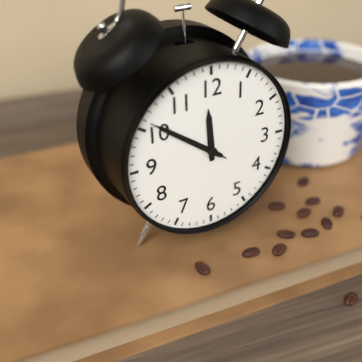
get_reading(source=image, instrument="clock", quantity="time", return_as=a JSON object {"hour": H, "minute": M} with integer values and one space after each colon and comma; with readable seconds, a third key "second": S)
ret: {"hour": 11, "minute": 51, "second": 51}
